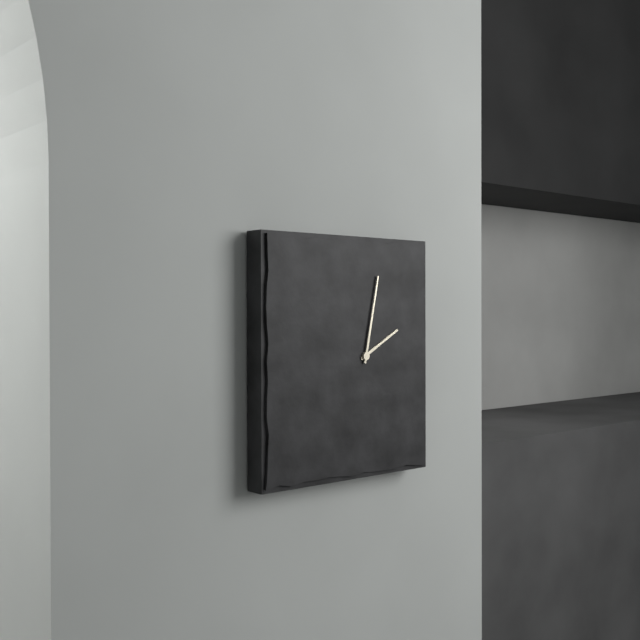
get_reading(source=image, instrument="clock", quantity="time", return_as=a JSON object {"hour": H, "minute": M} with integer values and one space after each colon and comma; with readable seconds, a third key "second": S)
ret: {"hour": 2, "minute": 2}
